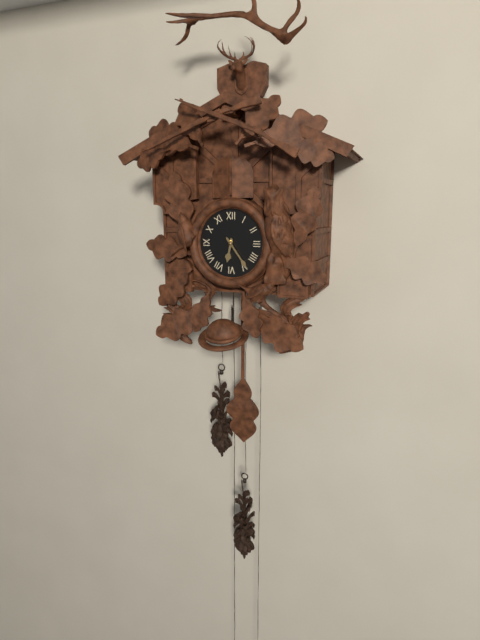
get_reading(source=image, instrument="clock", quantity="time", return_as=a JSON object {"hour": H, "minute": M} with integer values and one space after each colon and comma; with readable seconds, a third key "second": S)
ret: {"hour": 6, "minute": 24}
